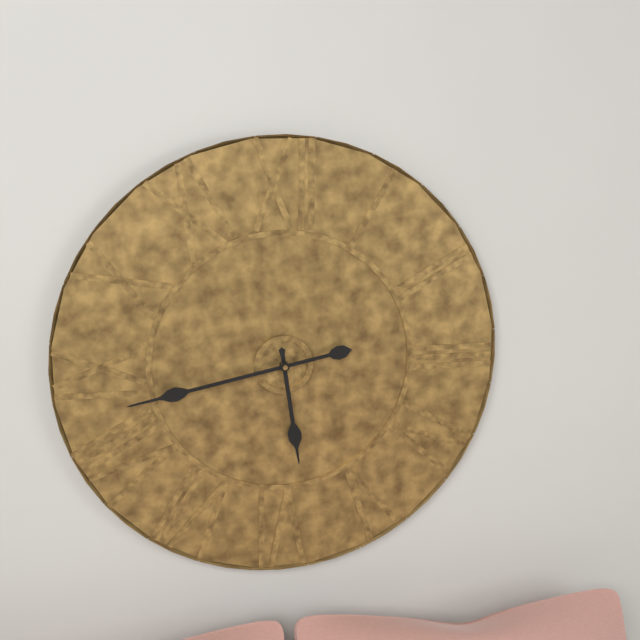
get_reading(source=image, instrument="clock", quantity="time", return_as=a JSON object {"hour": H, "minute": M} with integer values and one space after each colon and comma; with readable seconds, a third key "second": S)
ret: {"hour": 5, "minute": 43}
